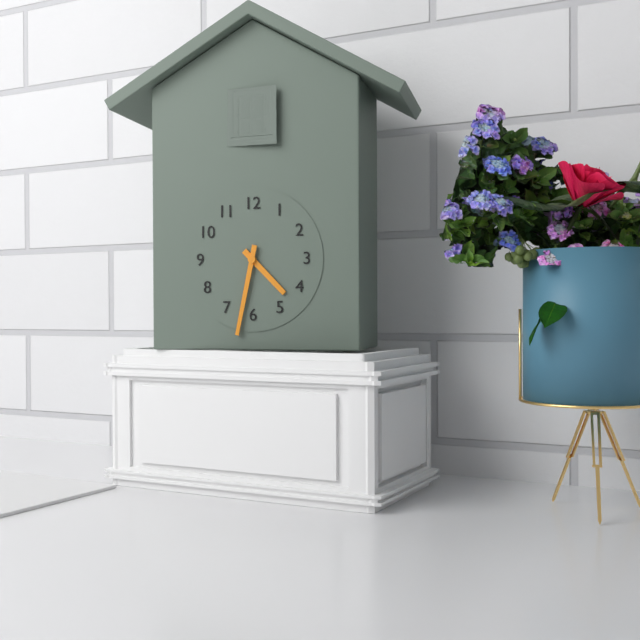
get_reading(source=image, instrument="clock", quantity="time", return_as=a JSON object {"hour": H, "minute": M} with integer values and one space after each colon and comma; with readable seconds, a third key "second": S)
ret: {"hour": 4, "minute": 32}
